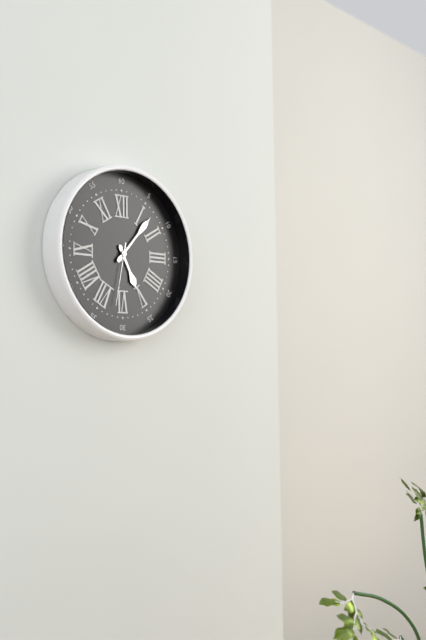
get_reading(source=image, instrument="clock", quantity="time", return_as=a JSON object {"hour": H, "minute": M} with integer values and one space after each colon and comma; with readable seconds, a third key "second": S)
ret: {"hour": 5, "minute": 7, "second": 32}
